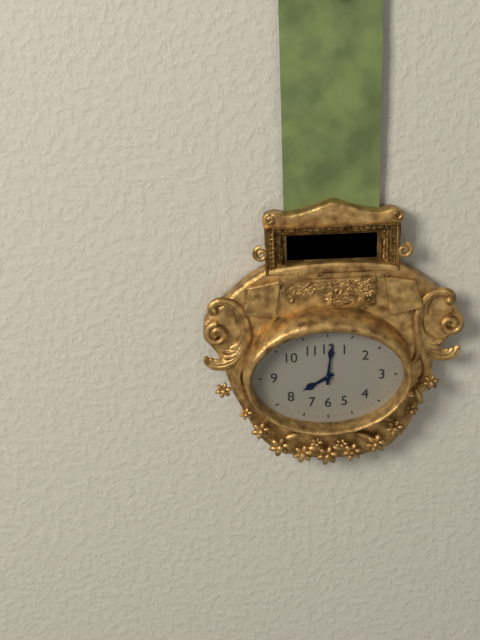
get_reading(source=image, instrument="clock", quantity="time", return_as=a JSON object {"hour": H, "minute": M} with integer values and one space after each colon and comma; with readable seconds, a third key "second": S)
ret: {"hour": 8, "minute": 1}
